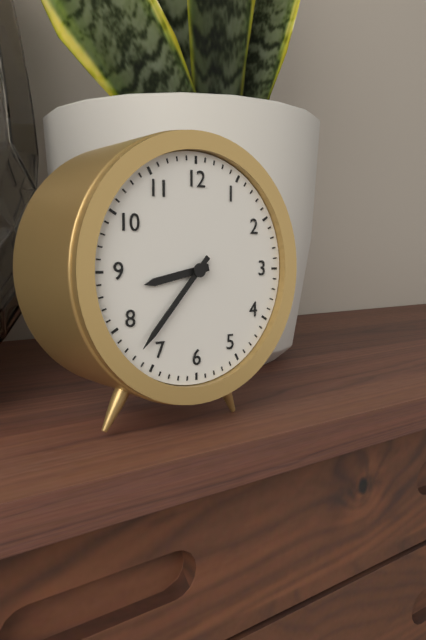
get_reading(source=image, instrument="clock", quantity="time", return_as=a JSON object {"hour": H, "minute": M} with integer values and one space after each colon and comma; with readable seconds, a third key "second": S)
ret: {"hour": 8, "minute": 37}
